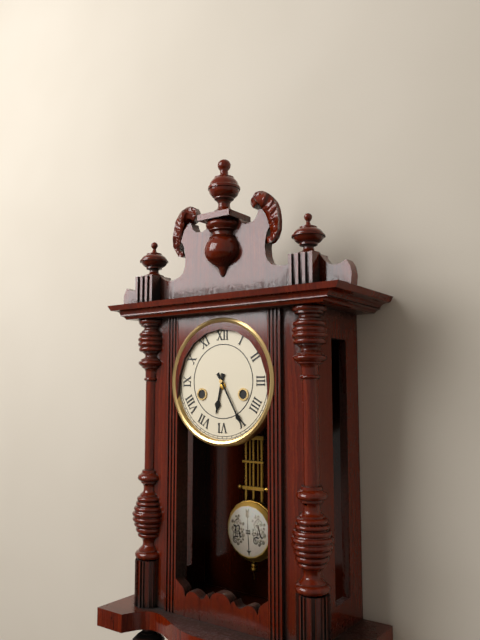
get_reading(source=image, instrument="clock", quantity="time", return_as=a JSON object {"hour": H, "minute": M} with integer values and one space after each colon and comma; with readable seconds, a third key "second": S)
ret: {"hour": 6, "minute": 25}
